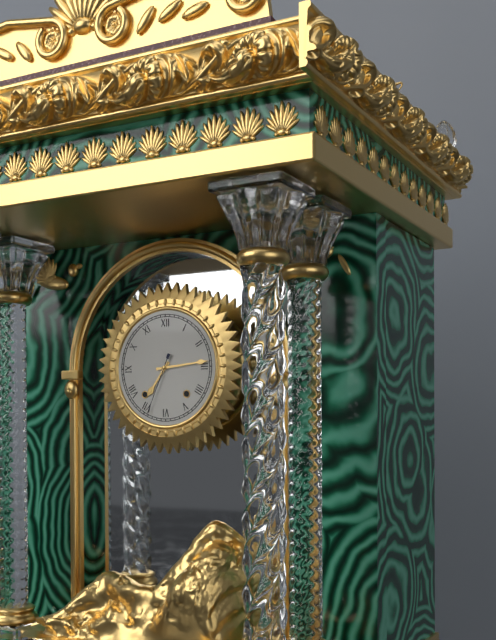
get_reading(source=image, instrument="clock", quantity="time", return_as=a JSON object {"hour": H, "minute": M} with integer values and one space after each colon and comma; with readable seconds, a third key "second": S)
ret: {"hour": 7, "minute": 14, "second": 34}
